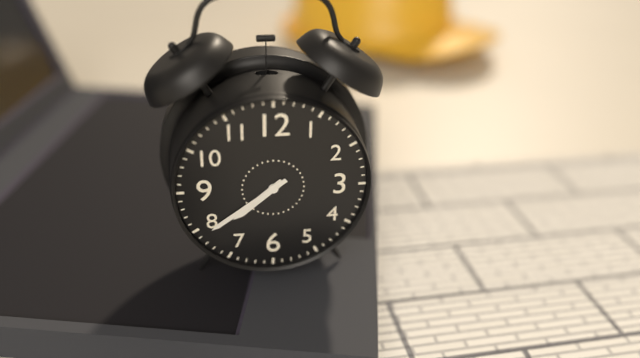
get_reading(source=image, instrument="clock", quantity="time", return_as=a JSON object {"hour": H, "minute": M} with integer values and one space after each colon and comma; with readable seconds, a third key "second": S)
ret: {"hour": 7, "minute": 39}
